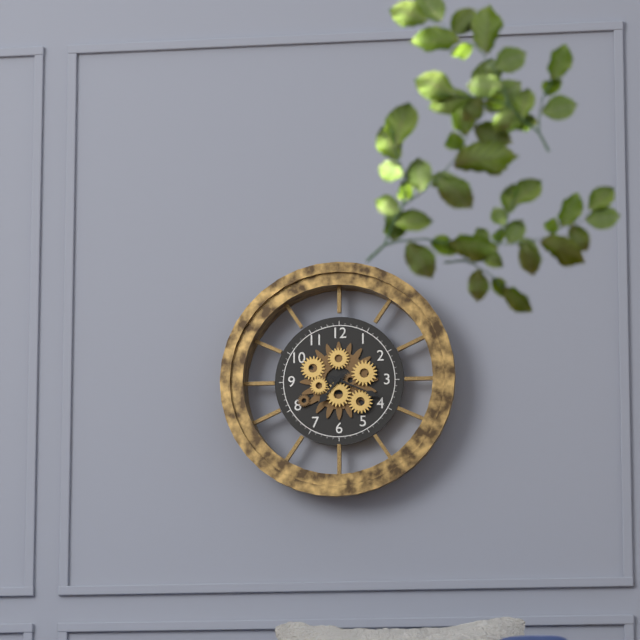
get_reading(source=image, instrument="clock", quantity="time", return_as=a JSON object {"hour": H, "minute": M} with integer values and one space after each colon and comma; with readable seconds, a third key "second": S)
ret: {"hour": 7, "minute": 19}
